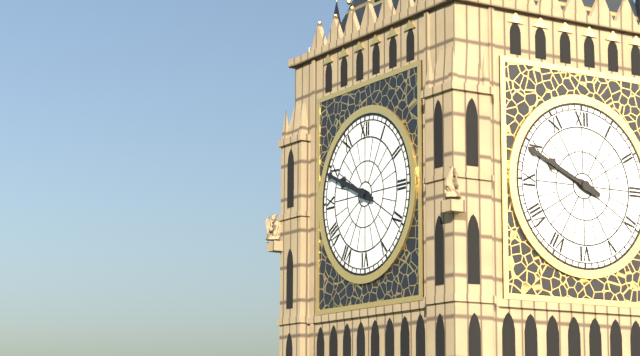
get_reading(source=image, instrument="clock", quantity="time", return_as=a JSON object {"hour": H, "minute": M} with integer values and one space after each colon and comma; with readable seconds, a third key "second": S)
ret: {"hour": 9, "minute": 49}
